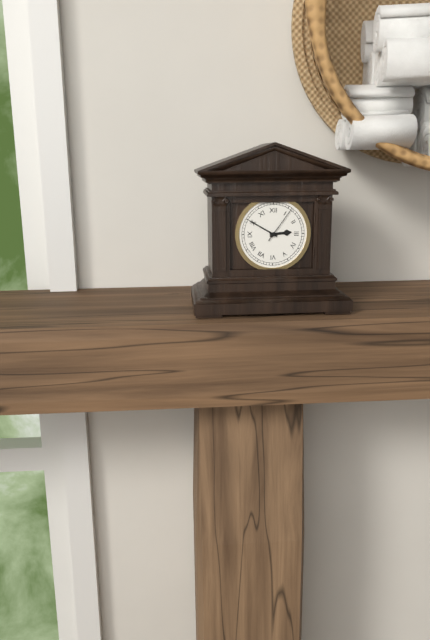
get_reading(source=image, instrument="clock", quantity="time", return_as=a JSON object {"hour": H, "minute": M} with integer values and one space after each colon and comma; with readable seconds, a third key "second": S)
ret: {"hour": 2, "minute": 50}
